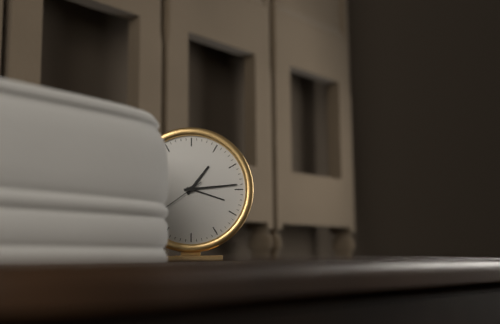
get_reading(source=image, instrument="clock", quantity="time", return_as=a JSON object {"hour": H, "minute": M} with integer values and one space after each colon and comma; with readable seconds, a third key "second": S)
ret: {"hour": 1, "minute": 14}
